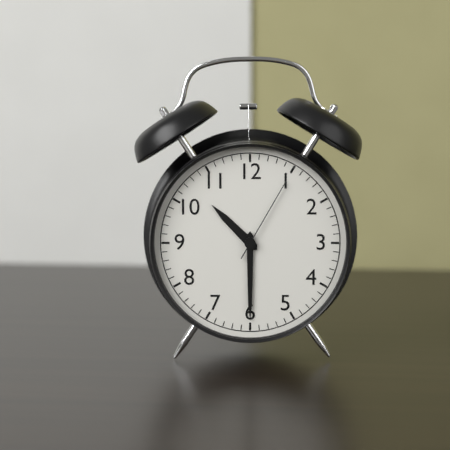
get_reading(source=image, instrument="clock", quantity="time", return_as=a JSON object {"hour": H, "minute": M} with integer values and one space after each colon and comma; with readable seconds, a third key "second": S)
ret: {"hour": 10, "minute": 30, "second": 5}
